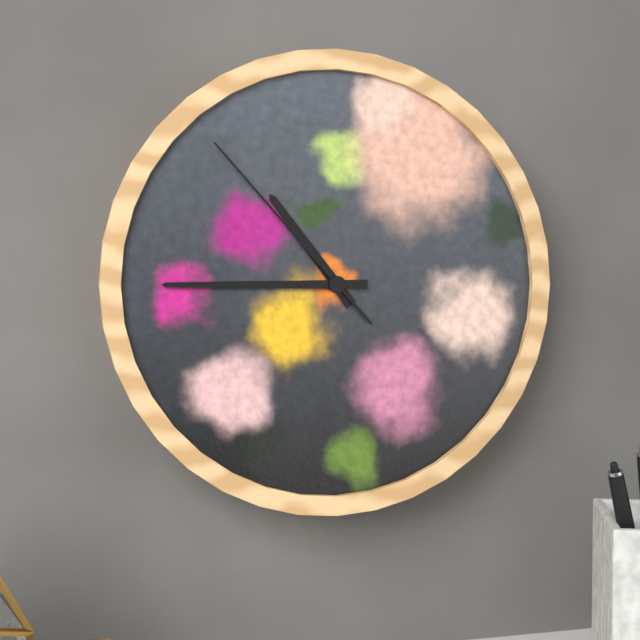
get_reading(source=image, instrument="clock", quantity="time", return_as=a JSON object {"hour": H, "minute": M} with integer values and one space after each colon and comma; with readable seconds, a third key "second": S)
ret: {"hour": 10, "minute": 45, "second": 53}
